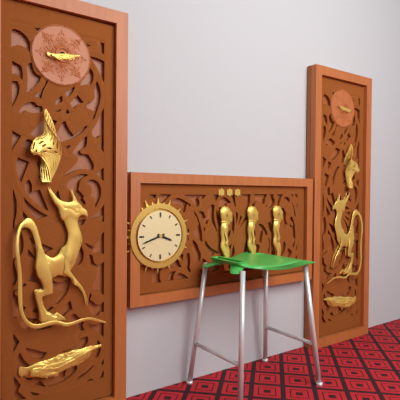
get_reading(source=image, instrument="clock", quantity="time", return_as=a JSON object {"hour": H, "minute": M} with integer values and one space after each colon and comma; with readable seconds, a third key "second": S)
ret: {"hour": 3, "minute": 42}
